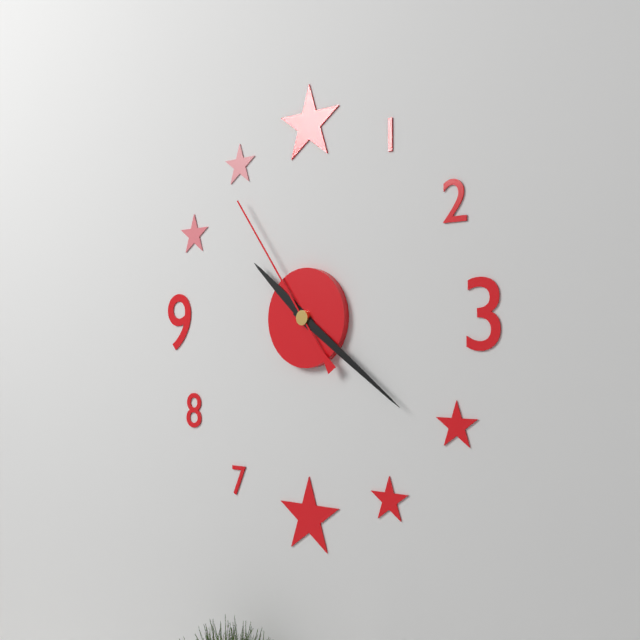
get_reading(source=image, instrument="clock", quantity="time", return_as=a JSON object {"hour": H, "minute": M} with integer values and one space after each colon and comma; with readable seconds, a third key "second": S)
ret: {"hour": 10, "minute": 21, "second": 54}
